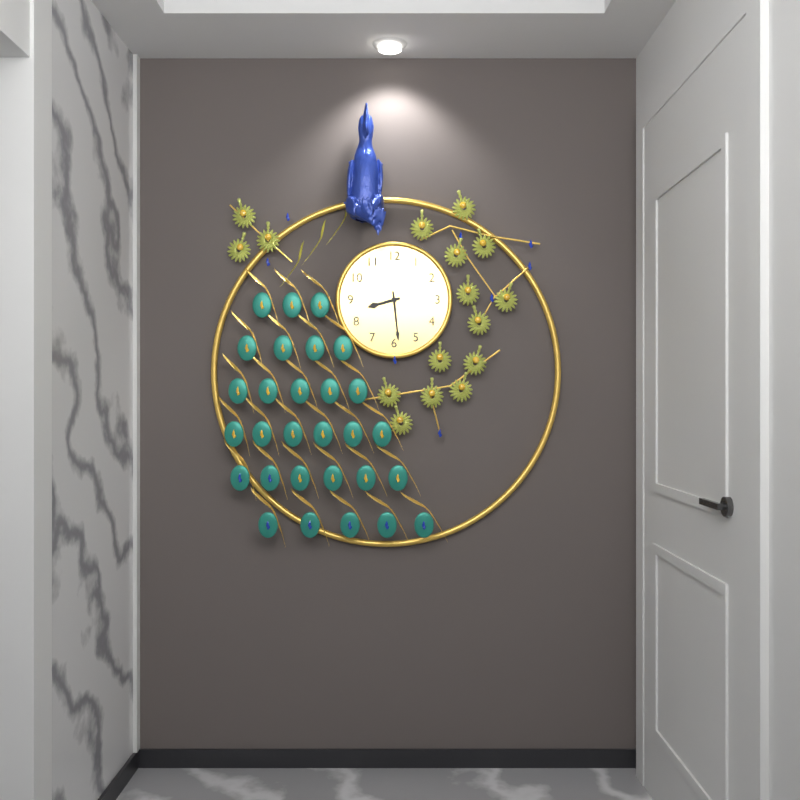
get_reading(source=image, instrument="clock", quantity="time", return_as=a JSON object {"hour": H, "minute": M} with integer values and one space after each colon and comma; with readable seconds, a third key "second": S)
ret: {"hour": 8, "minute": 29}
